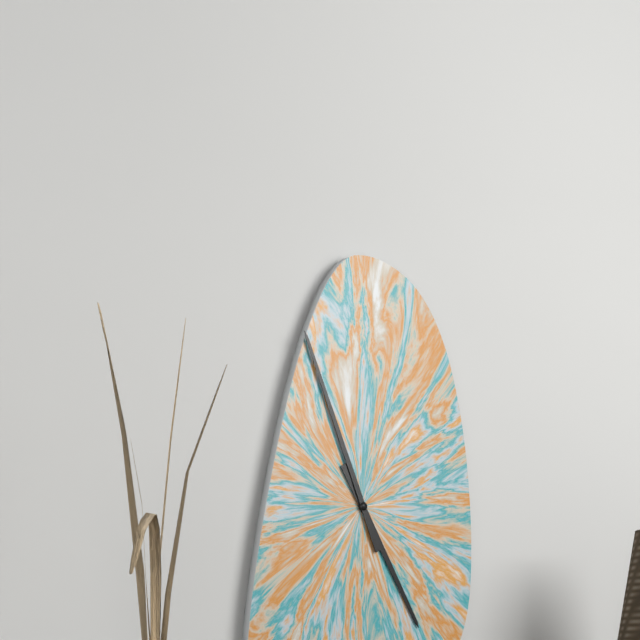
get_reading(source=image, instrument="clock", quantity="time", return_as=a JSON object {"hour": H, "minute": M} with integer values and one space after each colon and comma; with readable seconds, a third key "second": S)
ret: {"hour": 4, "minute": 56}
